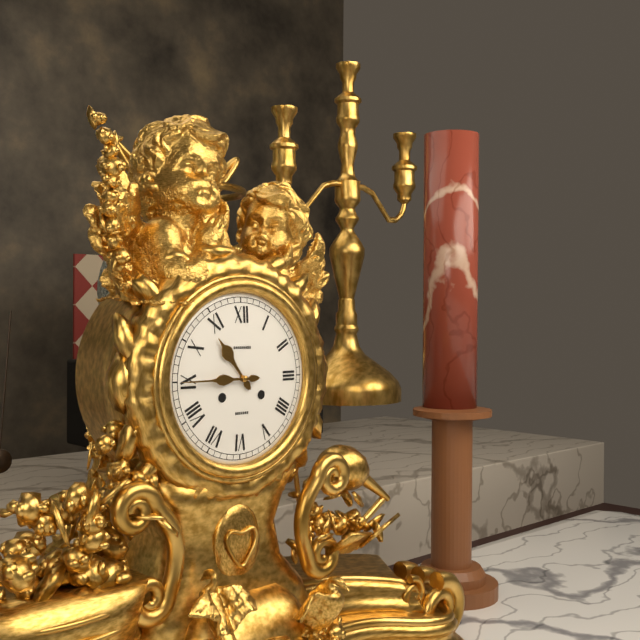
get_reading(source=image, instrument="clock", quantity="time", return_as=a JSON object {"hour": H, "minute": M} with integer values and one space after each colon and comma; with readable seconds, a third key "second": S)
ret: {"hour": 10, "minute": 45}
